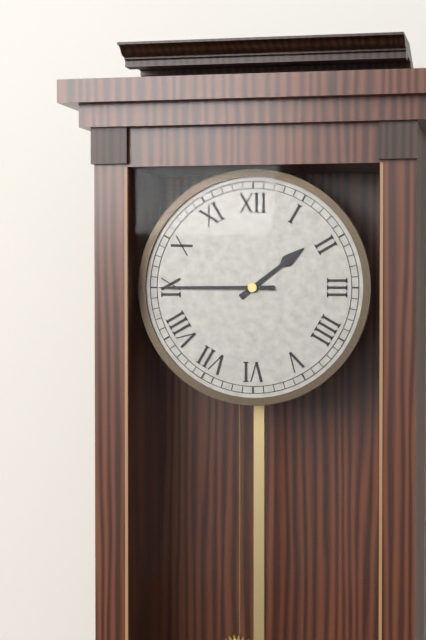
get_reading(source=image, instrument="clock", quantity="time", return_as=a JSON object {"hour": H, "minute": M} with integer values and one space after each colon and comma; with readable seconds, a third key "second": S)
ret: {"hour": 1, "minute": 45}
